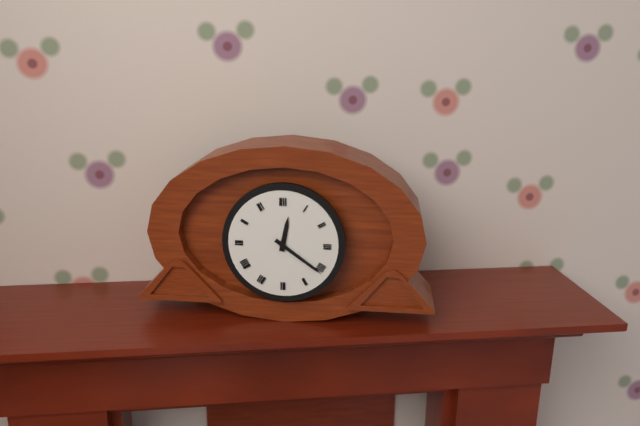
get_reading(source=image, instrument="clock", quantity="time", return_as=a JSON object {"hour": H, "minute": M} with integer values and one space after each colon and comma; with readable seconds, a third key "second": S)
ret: {"hour": 12, "minute": 21}
